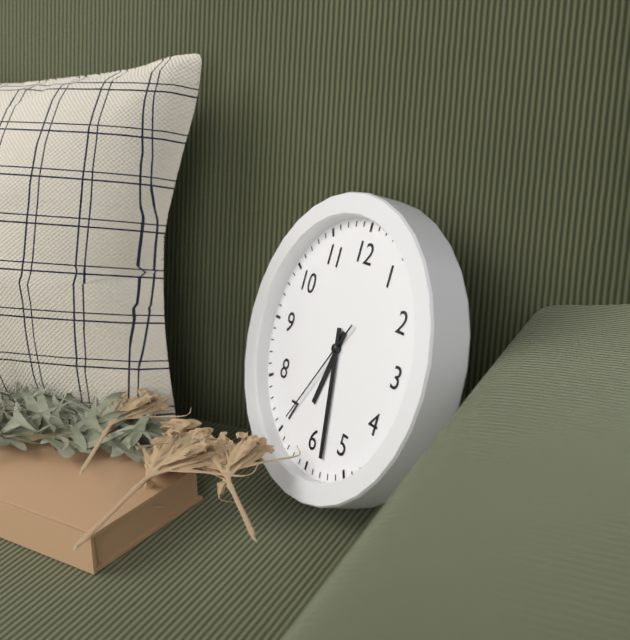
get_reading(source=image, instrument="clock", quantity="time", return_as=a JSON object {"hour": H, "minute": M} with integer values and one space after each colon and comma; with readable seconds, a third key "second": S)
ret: {"hour": 6, "minute": 28, "second": 35}
